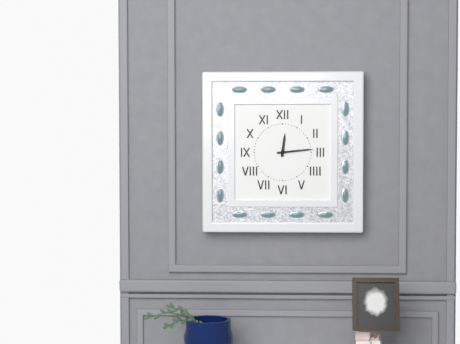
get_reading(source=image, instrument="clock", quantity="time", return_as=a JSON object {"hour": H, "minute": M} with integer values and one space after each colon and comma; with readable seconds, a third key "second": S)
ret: {"hour": 12, "minute": 14}
